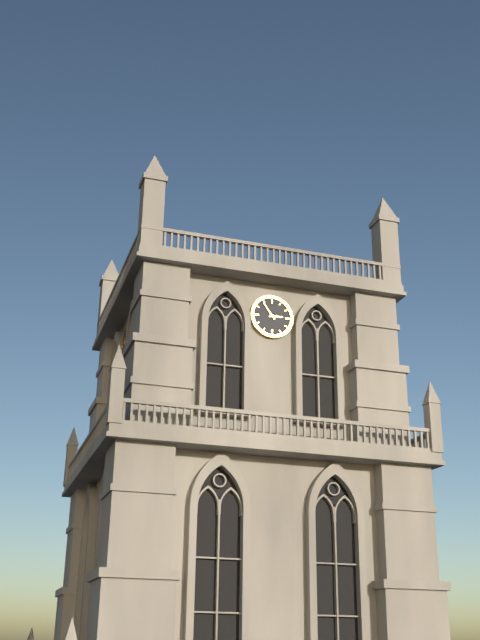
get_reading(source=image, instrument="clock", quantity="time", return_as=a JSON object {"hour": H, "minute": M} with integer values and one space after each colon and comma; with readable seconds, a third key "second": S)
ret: {"hour": 2, "minute": 54}
